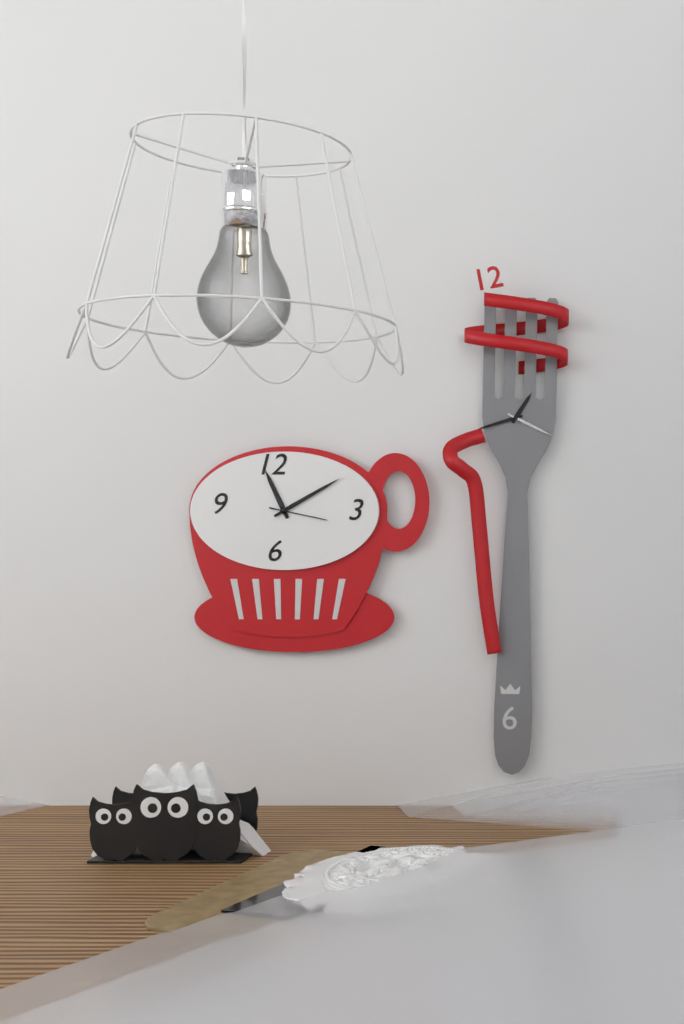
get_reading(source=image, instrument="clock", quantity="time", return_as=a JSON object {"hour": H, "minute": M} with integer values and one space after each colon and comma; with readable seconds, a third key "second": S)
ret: {"hour": 11, "minute": 10, "second": 17}
